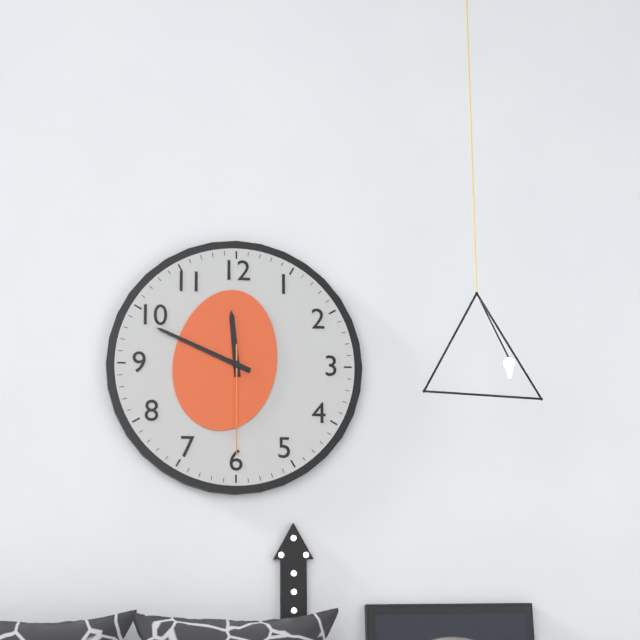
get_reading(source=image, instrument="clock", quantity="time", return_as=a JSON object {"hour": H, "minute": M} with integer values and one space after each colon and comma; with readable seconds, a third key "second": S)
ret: {"hour": 11, "minute": 49, "second": 30}
